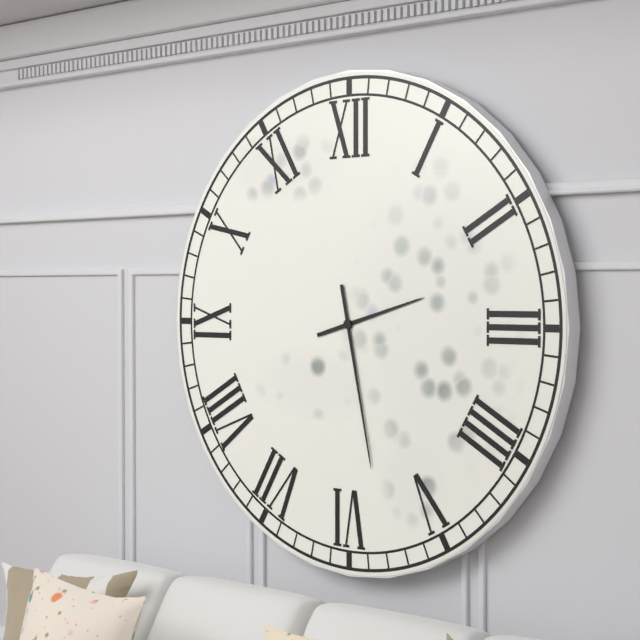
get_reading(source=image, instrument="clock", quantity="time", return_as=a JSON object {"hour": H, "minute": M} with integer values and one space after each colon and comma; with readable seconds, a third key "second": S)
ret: {"hour": 2, "minute": 28}
